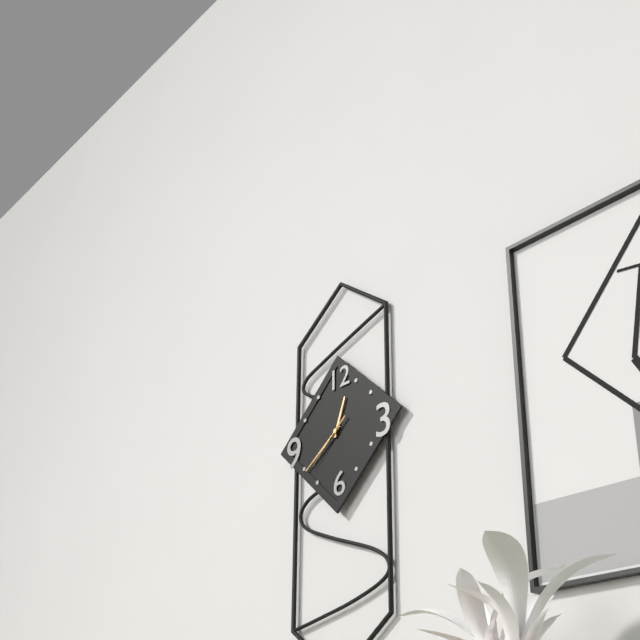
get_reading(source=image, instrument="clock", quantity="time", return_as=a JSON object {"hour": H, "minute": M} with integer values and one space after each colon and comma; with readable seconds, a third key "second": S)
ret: {"hour": 12, "minute": 39, "second": 38}
